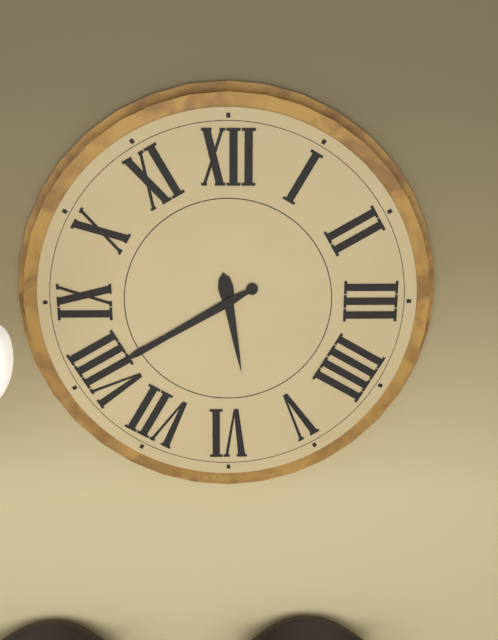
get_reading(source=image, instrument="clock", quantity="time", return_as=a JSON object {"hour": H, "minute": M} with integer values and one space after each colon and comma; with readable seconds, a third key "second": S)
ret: {"hour": 5, "minute": 40}
